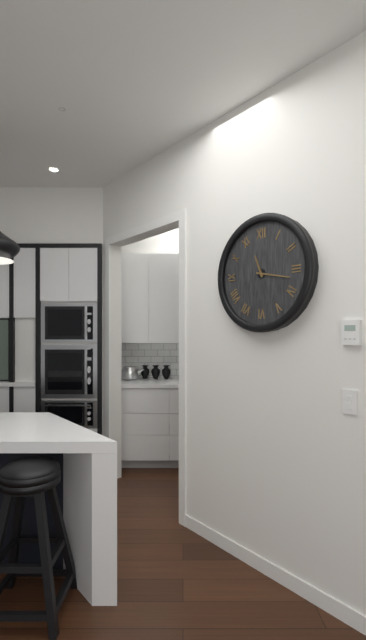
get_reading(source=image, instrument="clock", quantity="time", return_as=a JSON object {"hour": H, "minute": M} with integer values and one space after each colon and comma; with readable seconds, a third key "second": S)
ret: {"hour": 11, "minute": 17}
